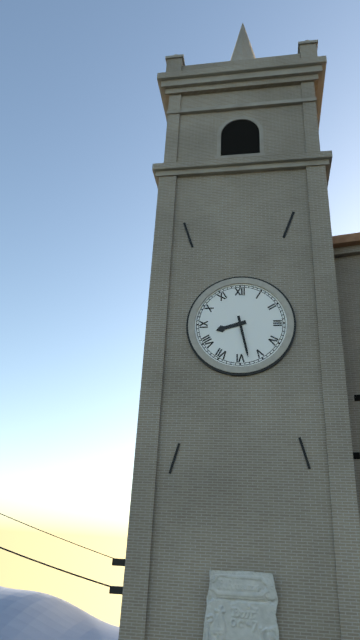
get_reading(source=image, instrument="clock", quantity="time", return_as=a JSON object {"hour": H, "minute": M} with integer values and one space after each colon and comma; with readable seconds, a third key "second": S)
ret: {"hour": 8, "minute": 28}
